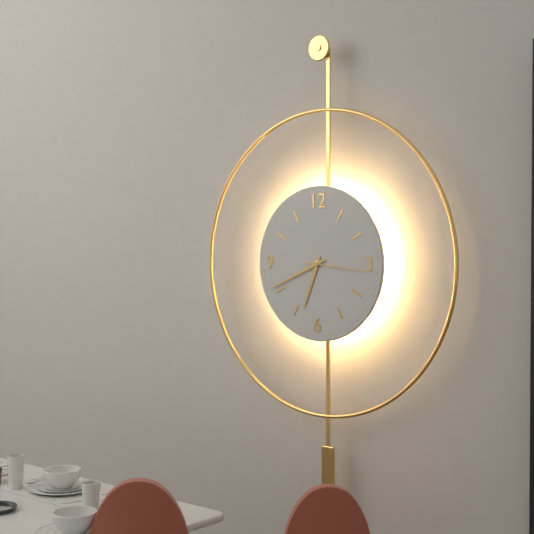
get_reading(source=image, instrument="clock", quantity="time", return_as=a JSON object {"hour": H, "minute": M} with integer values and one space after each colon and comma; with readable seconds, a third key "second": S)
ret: {"hour": 6, "minute": 41, "second": 16}
